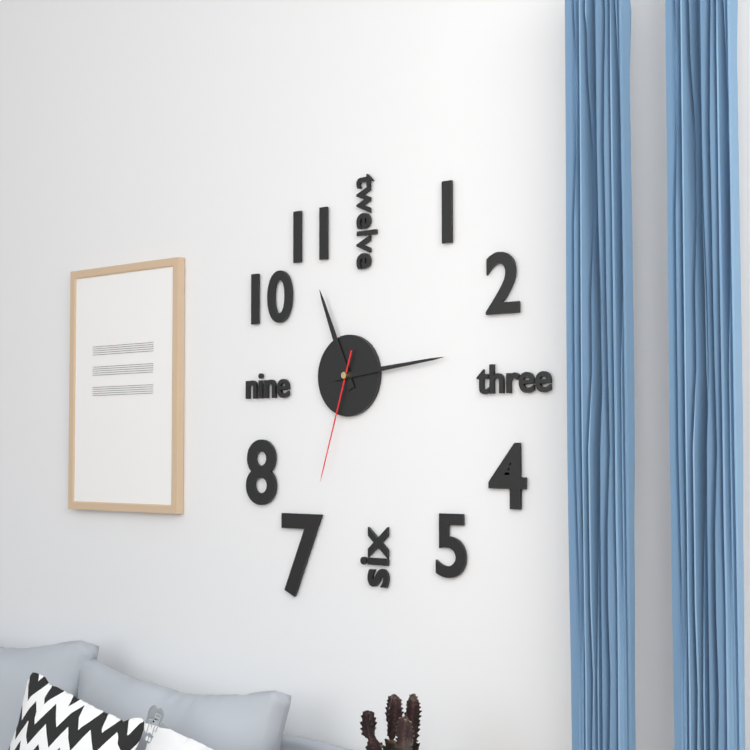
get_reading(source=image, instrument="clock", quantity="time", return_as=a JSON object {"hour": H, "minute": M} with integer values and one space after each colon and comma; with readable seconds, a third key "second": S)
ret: {"hour": 11, "minute": 14, "second": 33}
